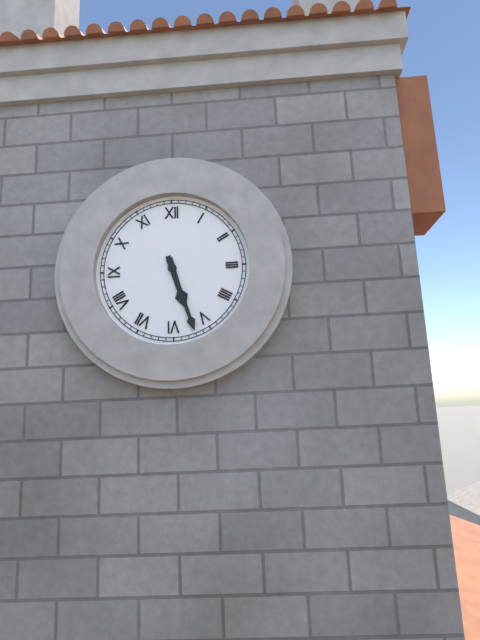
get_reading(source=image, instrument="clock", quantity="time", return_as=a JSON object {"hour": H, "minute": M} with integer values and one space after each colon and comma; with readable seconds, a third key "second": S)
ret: {"hour": 5, "minute": 27}
